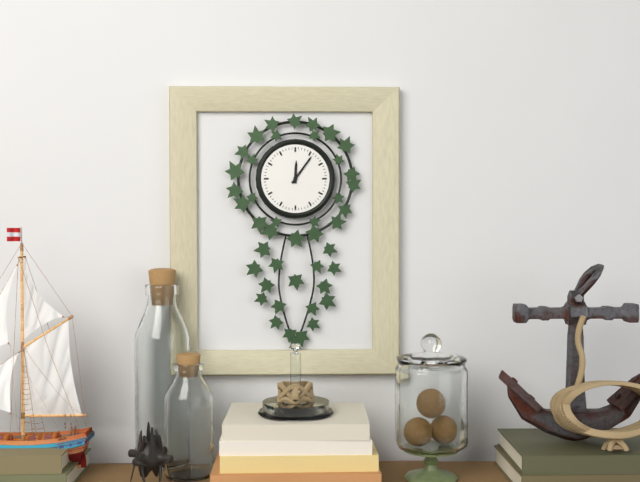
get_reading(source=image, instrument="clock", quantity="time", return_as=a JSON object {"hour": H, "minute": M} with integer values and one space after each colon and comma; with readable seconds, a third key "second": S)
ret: {"hour": 12, "minute": 6}
